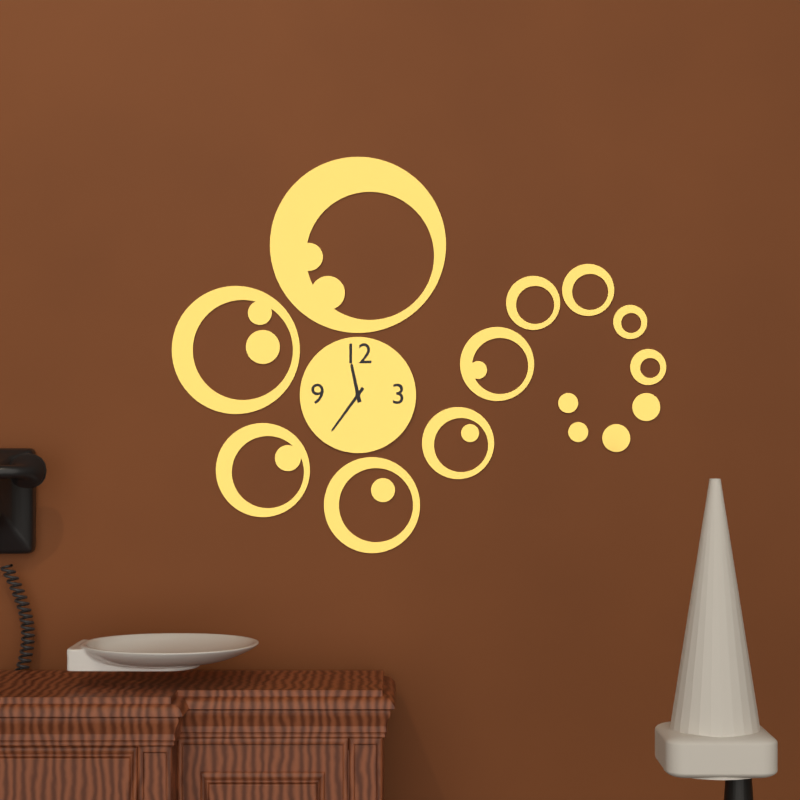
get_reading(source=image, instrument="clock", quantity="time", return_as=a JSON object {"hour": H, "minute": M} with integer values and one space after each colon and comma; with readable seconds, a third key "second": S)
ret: {"hour": 11, "minute": 36}
